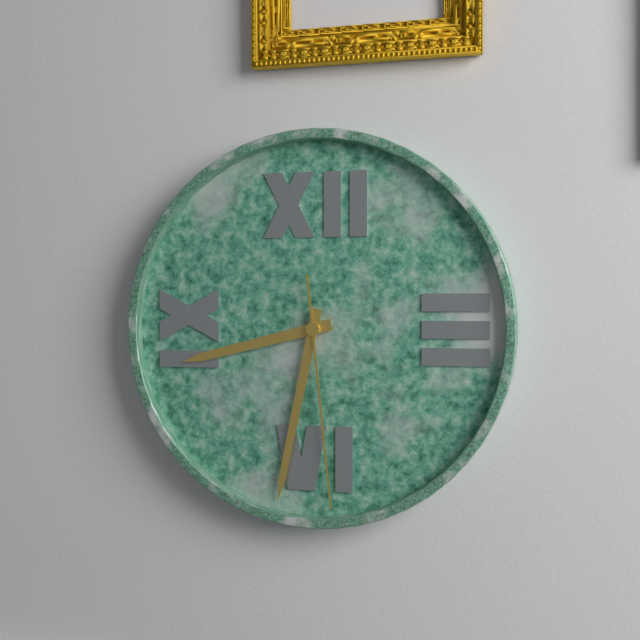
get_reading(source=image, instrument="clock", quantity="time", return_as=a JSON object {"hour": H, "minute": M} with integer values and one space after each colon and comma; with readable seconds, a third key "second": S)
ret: {"hour": 8, "minute": 32, "second": 29}
